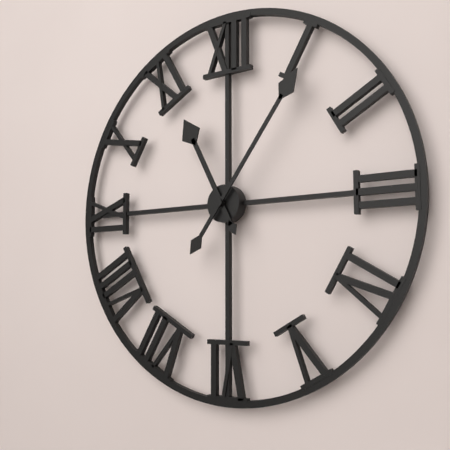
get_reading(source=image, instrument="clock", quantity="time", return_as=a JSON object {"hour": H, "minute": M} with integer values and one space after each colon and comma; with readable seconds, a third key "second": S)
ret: {"hour": 11, "minute": 6}
